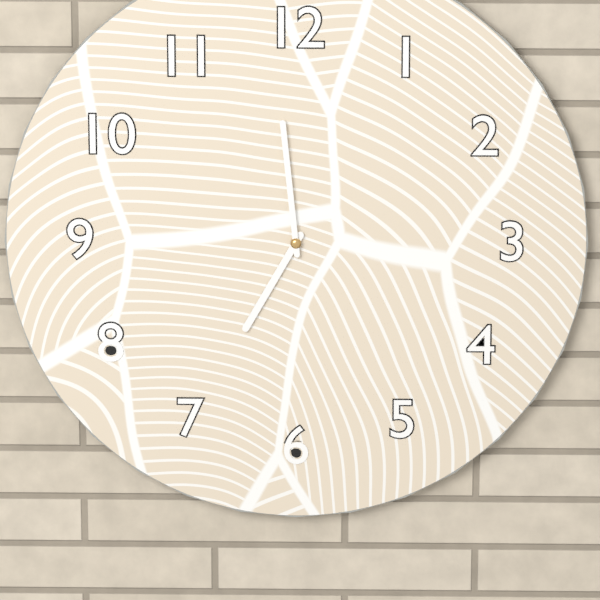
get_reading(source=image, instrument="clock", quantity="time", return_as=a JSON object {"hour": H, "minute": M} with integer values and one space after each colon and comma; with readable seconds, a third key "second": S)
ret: {"hour": 6, "minute": 59}
